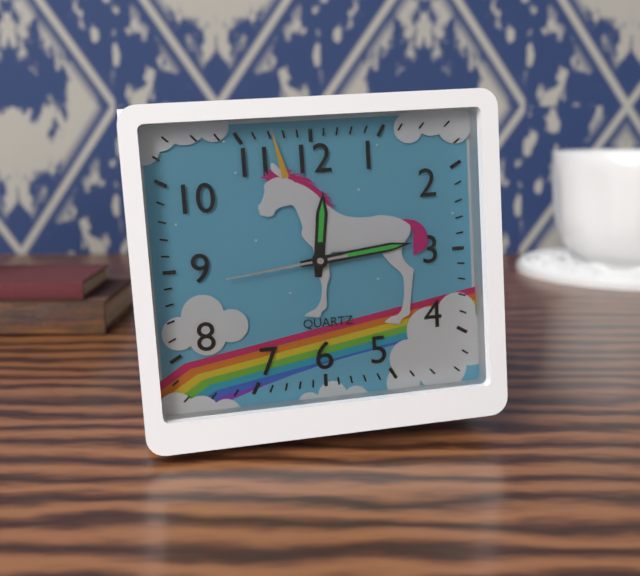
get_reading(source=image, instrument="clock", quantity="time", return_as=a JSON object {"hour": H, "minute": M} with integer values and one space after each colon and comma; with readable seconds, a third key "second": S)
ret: {"hour": 12, "minute": 14, "second": 44}
